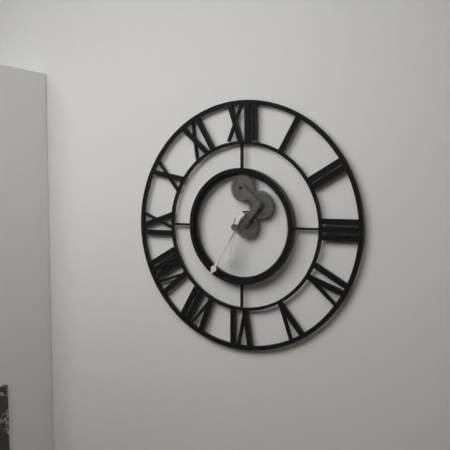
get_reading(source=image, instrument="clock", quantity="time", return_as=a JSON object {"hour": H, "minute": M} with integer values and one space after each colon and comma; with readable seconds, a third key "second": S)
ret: {"hour": 6, "minute": 35}
